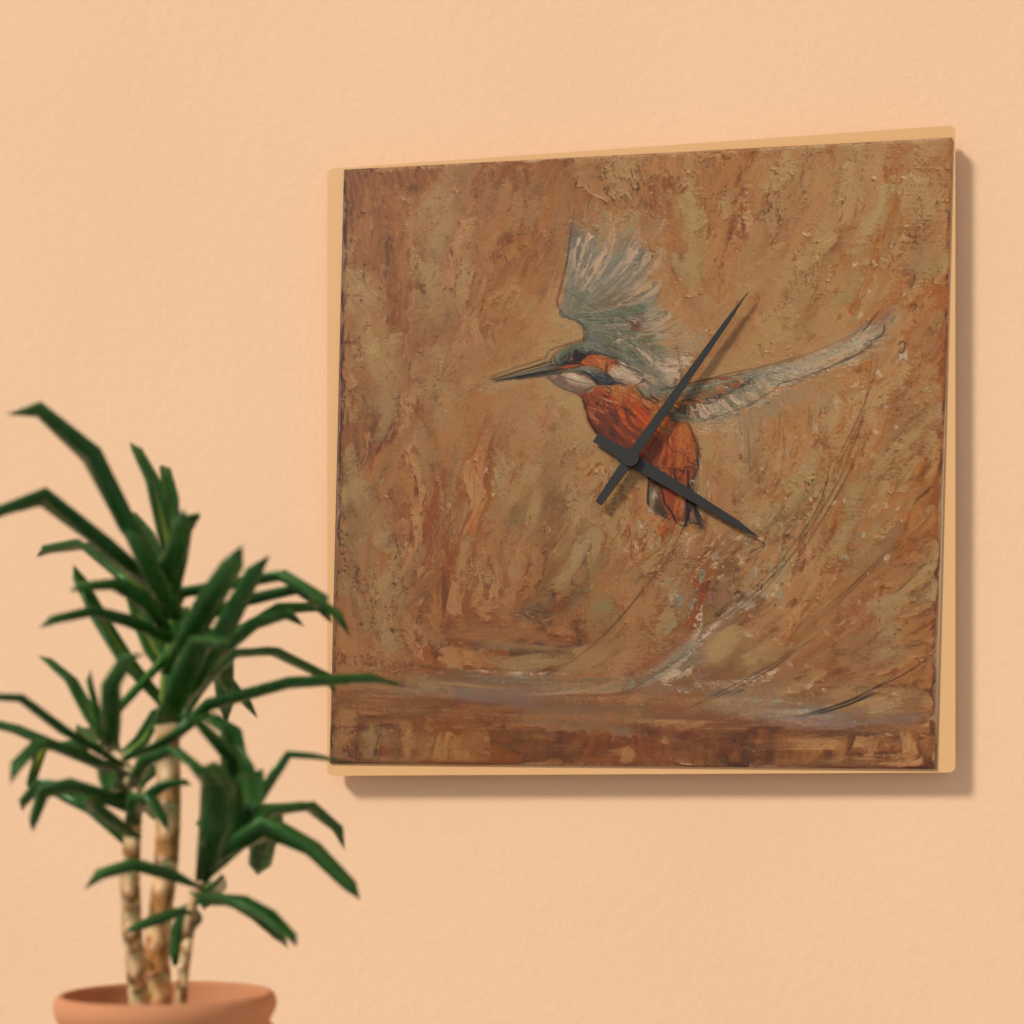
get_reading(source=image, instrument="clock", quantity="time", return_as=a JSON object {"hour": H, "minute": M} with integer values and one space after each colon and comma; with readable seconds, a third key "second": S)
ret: {"hour": 4, "minute": 6}
